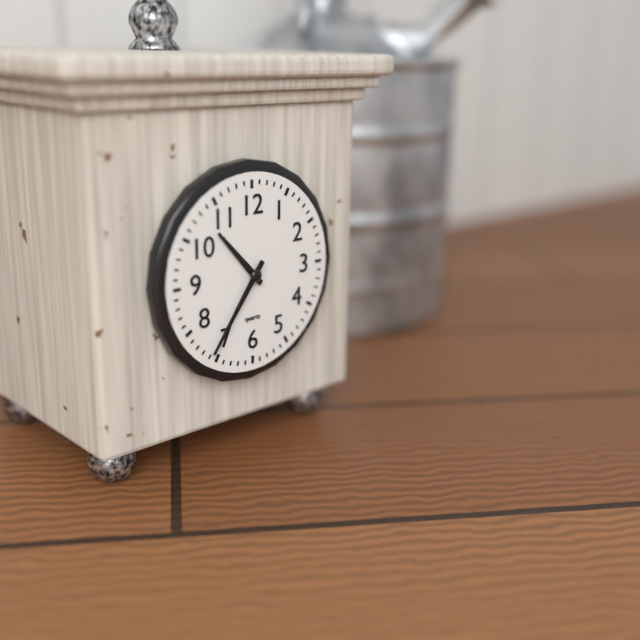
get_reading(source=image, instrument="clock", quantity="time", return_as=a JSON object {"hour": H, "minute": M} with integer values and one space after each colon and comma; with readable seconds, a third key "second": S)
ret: {"hour": 10, "minute": 36}
